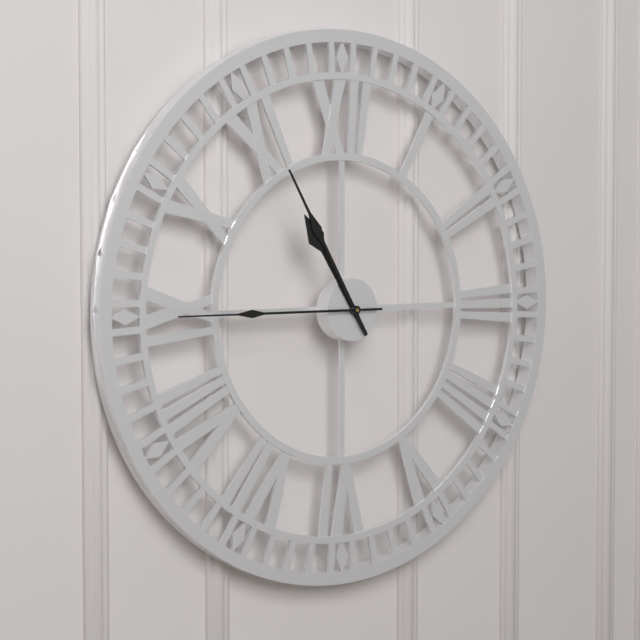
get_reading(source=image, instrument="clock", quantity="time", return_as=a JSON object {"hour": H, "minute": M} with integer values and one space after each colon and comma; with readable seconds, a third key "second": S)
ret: {"hour": 10, "minute": 55, "second": 45}
